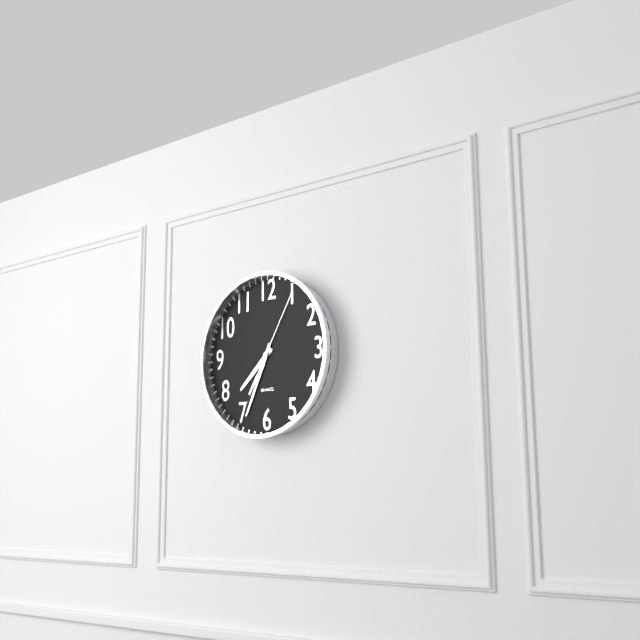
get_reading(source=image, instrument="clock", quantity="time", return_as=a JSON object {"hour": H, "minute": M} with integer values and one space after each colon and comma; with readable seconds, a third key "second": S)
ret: {"hour": 7, "minute": 34, "second": 5}
